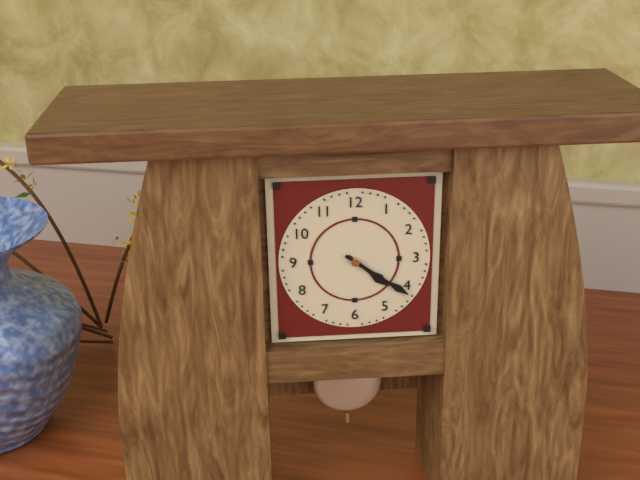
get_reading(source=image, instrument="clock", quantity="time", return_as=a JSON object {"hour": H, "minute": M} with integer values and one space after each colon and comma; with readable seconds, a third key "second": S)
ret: {"hour": 4, "minute": 21}
